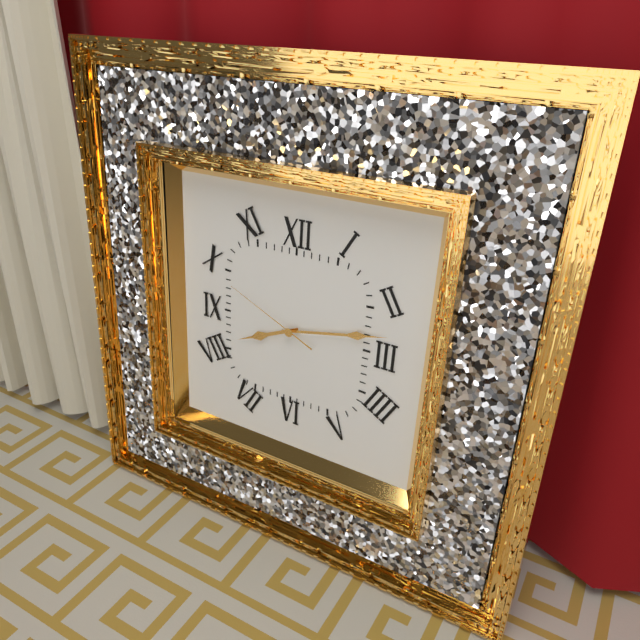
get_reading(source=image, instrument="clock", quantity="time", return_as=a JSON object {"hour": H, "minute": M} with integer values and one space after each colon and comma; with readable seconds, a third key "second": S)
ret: {"hour": 8, "minute": 13, "second": 49}
